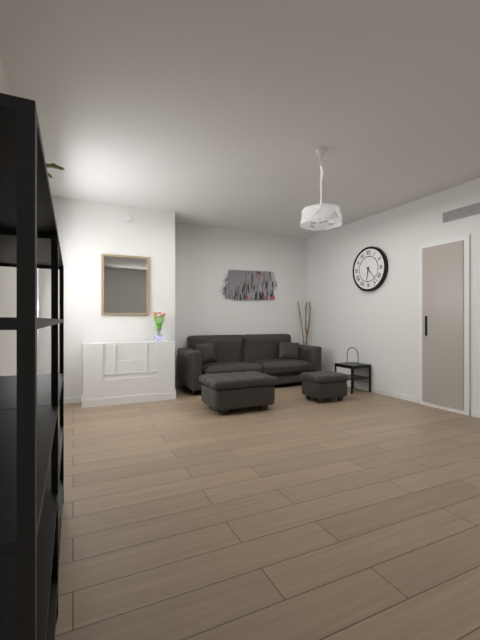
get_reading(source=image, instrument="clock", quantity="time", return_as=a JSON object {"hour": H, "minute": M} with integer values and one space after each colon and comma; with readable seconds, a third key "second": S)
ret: {"hour": 6, "minute": 23}
